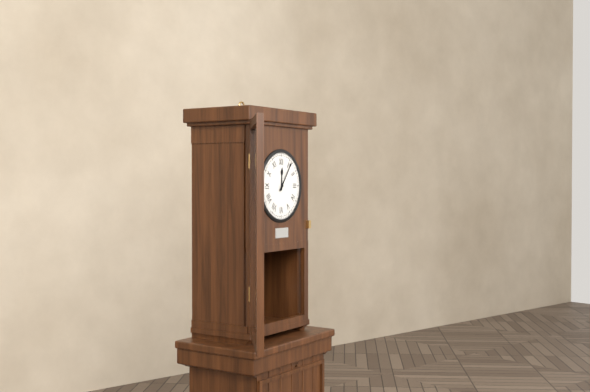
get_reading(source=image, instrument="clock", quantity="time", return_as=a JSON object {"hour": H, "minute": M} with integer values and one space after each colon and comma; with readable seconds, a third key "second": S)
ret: {"hour": 12, "minute": 6}
